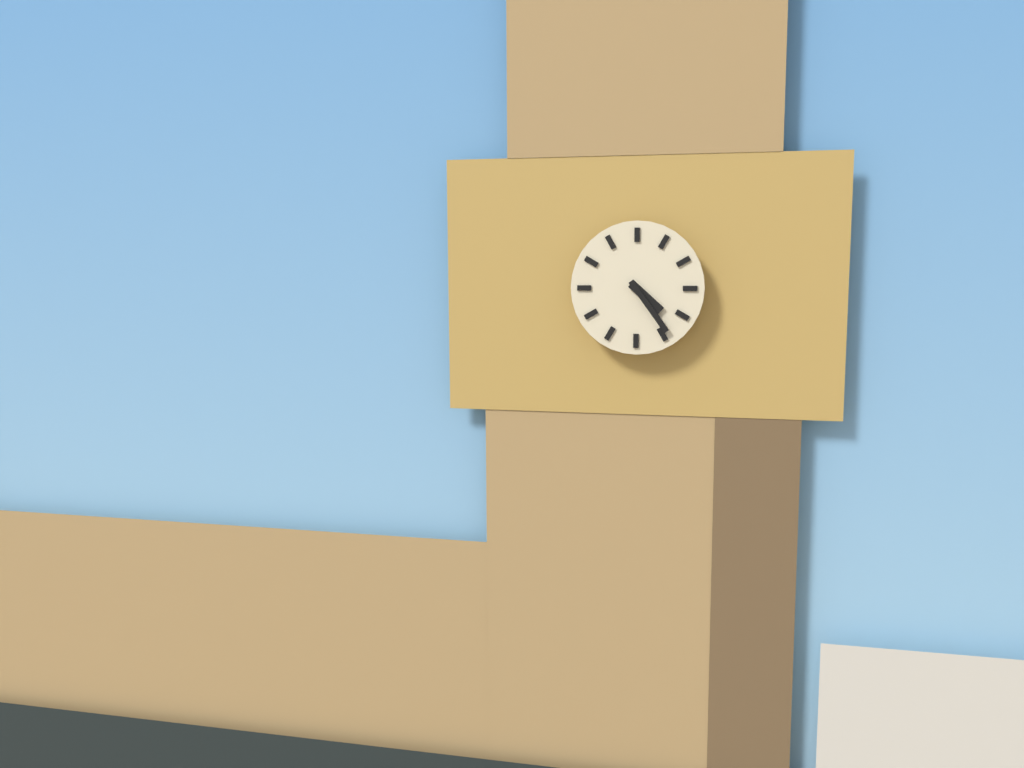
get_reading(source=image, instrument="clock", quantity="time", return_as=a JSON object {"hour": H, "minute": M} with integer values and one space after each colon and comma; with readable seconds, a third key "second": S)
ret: {"hour": 4, "minute": 24}
